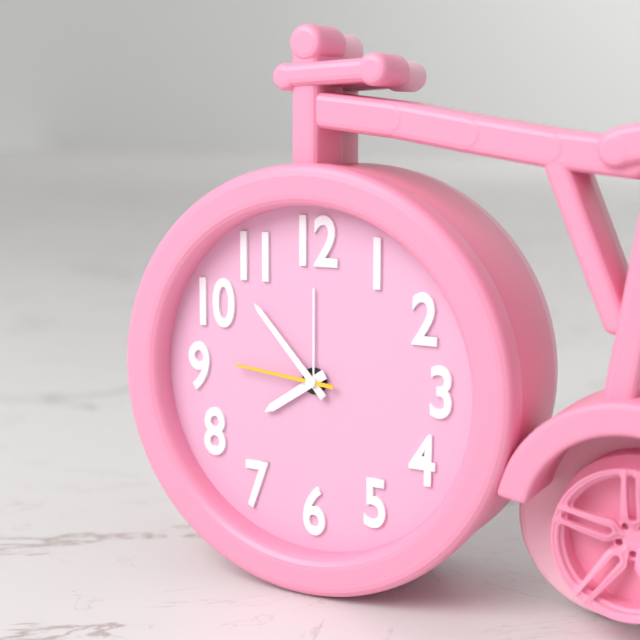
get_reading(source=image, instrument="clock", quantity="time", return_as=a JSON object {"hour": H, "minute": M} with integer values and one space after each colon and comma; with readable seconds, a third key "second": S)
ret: {"hour": 7, "minute": 53, "second": 46}
